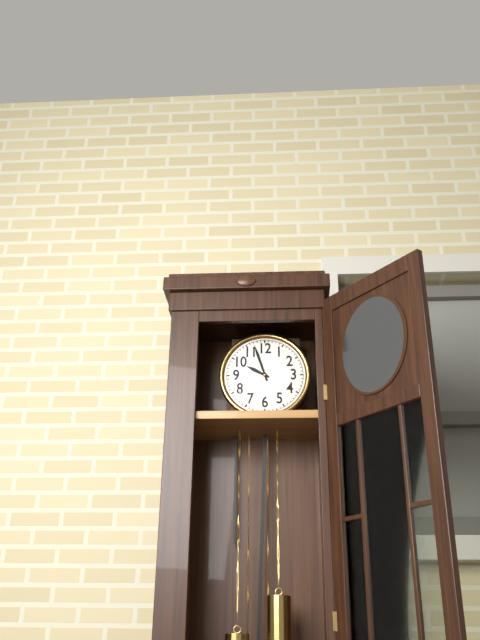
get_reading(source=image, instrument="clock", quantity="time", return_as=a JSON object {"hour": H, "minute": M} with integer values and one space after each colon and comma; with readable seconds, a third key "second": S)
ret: {"hour": 9, "minute": 57}
